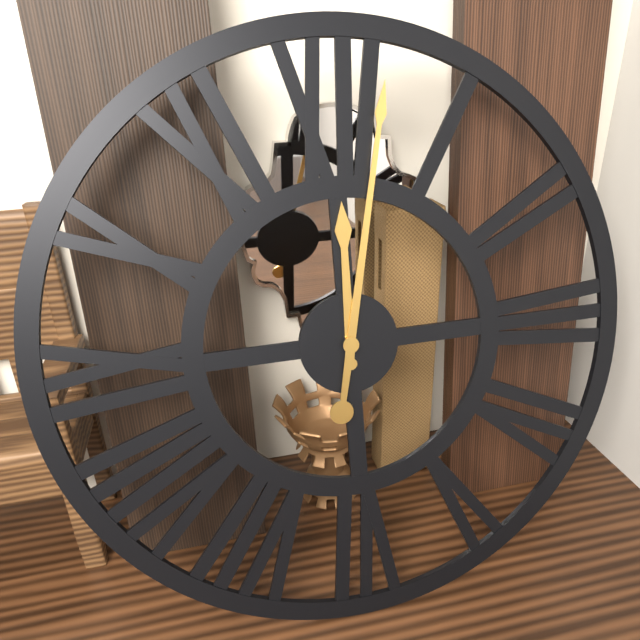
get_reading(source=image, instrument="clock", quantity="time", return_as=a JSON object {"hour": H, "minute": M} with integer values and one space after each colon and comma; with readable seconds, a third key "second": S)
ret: {"hour": 12, "minute": 2}
